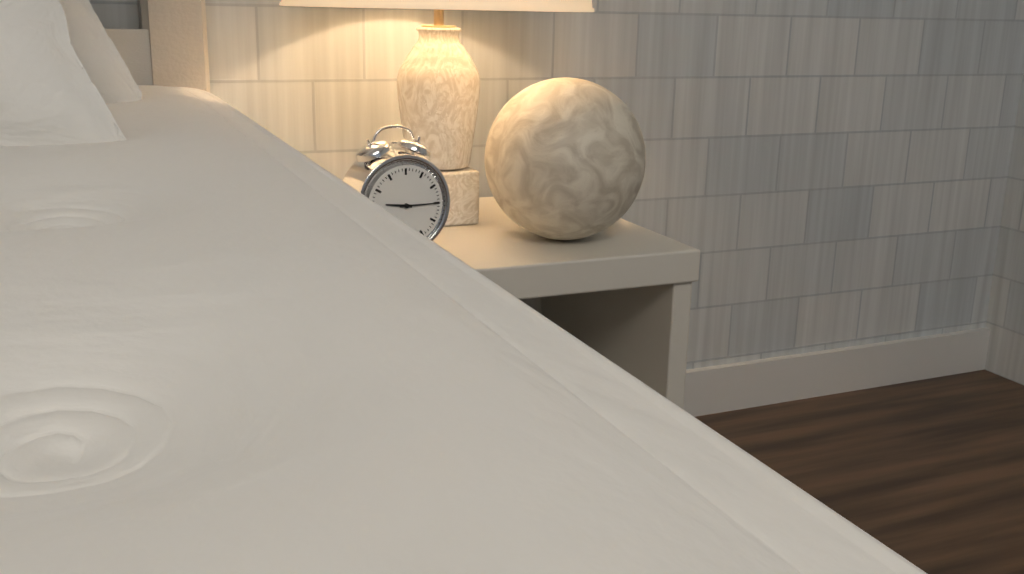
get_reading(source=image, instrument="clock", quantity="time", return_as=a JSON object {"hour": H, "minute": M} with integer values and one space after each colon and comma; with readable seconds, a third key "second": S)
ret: {"hour": 9, "minute": 15}
